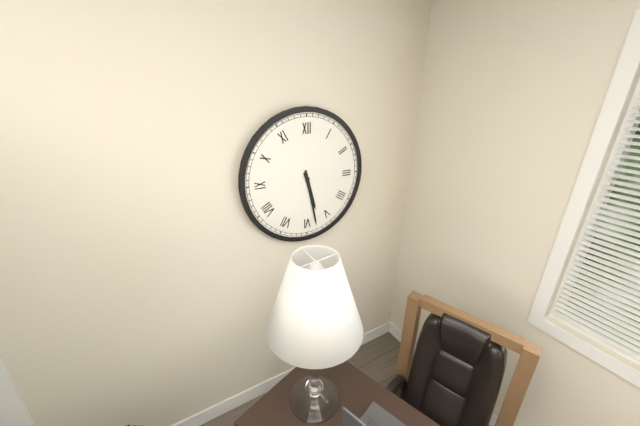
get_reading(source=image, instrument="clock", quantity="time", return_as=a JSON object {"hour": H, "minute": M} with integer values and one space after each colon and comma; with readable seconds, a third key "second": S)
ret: {"hour": 5, "minute": 28}
